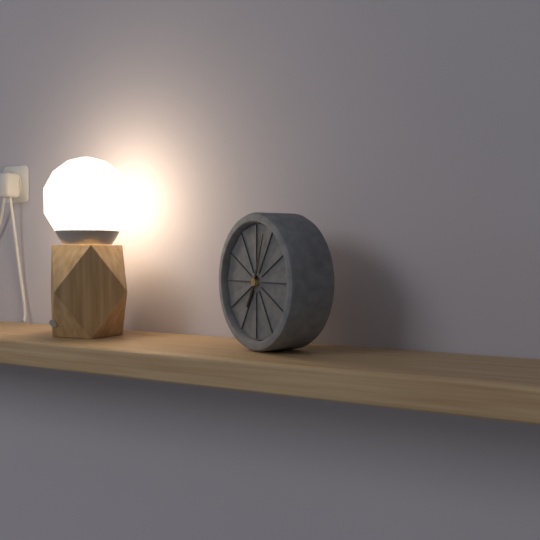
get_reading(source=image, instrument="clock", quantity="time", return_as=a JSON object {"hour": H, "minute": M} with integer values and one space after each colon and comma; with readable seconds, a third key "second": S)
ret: {"hour": 7, "minute": 3}
